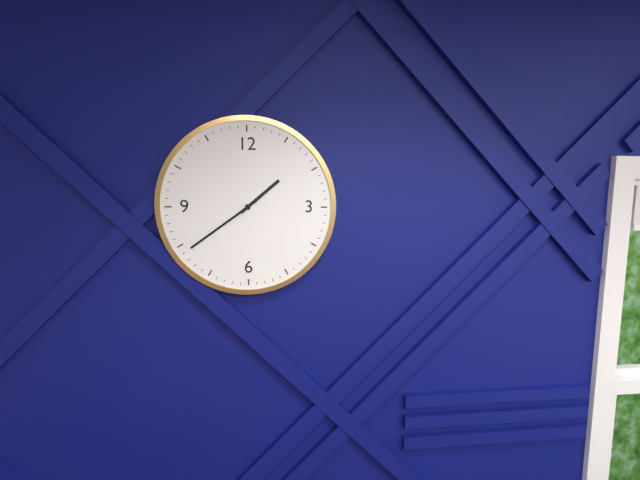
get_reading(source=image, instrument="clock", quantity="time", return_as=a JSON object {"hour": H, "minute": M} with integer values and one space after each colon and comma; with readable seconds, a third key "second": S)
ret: {"hour": 1, "minute": 39}
